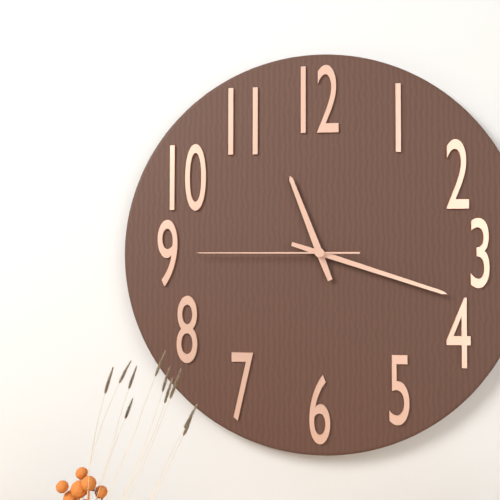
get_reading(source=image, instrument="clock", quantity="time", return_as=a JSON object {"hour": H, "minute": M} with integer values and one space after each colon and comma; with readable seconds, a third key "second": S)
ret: {"hour": 11, "minute": 18, "second": 45}
